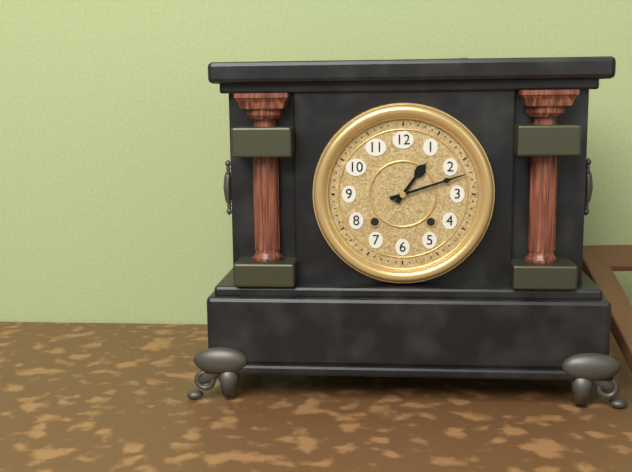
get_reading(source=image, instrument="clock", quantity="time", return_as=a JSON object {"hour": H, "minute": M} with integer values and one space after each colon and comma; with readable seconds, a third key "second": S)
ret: {"hour": 1, "minute": 12}
